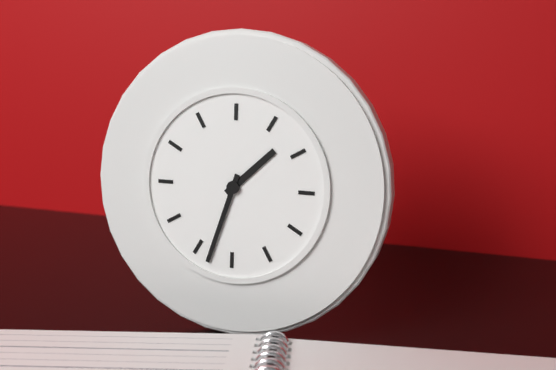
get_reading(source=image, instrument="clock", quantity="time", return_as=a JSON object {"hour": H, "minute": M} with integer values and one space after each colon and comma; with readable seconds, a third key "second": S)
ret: {"hour": 1, "minute": 33}
